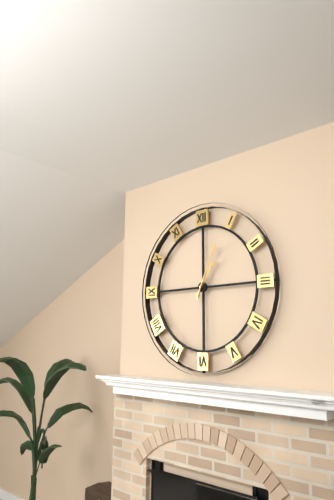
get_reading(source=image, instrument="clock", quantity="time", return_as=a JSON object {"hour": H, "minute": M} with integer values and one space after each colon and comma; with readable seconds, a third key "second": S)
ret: {"hour": 1, "minute": 4}
